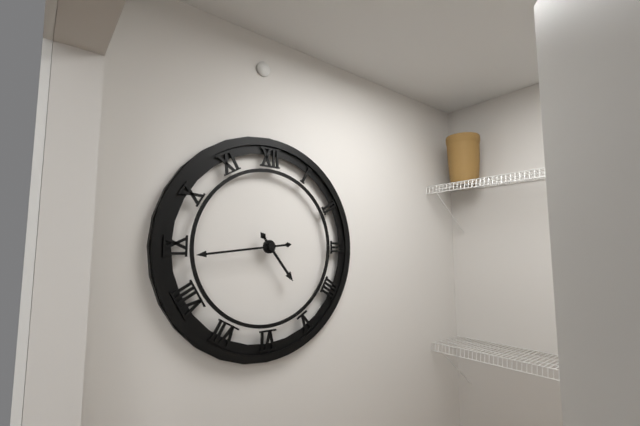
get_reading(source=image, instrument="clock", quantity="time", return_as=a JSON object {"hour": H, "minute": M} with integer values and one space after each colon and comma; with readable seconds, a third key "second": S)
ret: {"hour": 4, "minute": 44}
